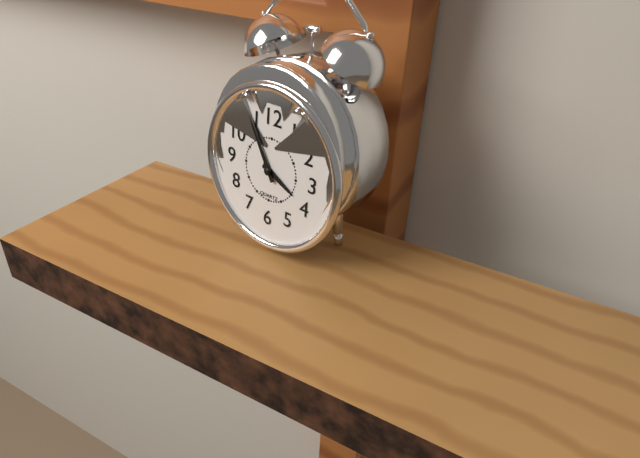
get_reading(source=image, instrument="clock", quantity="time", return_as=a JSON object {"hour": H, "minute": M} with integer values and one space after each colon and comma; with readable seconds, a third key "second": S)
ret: {"hour": 3, "minute": 55}
